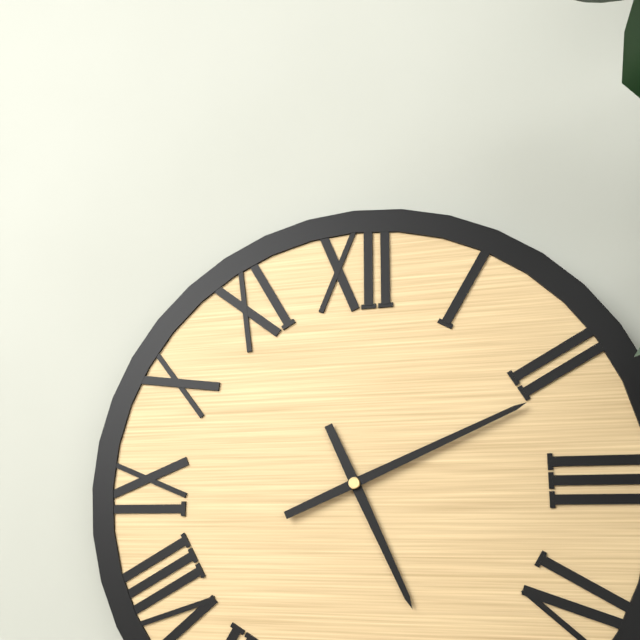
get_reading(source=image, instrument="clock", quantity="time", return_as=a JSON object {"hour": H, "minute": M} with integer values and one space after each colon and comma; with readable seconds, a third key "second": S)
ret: {"hour": 5, "minute": 11}
